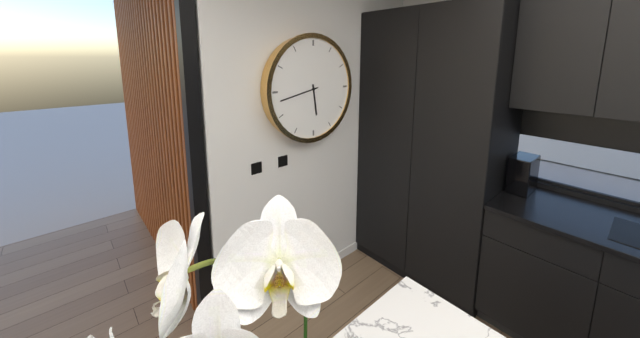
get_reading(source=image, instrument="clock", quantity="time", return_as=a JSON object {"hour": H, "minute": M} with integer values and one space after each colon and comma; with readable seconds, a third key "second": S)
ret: {"hour": 5, "minute": 43}
